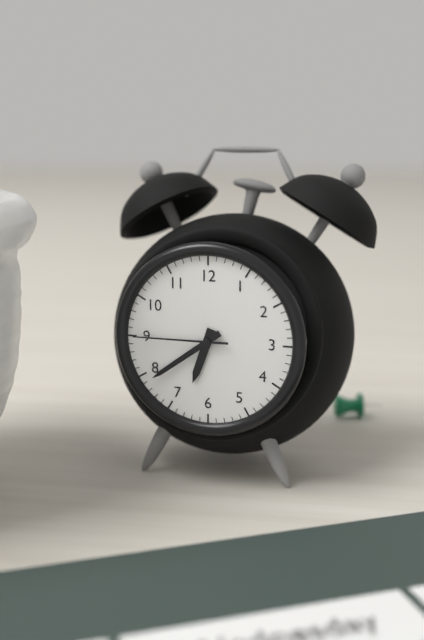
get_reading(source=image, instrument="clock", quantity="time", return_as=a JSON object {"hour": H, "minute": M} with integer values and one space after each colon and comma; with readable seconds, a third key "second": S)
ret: {"hour": 6, "minute": 39, "second": 45}
